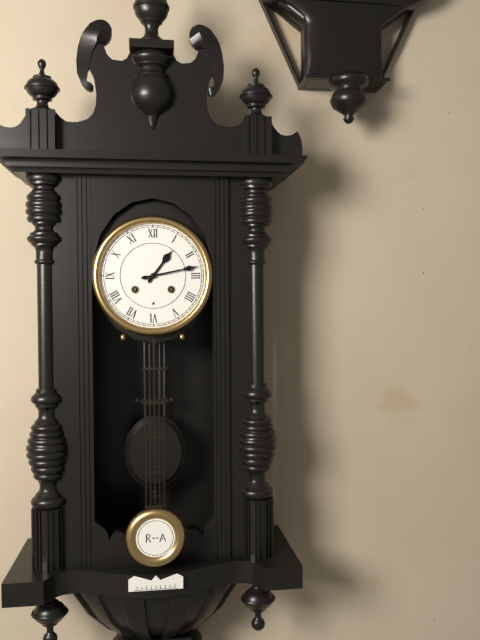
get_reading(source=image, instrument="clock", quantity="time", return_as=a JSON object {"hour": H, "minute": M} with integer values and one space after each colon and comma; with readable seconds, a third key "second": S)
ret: {"hour": 1, "minute": 13}
